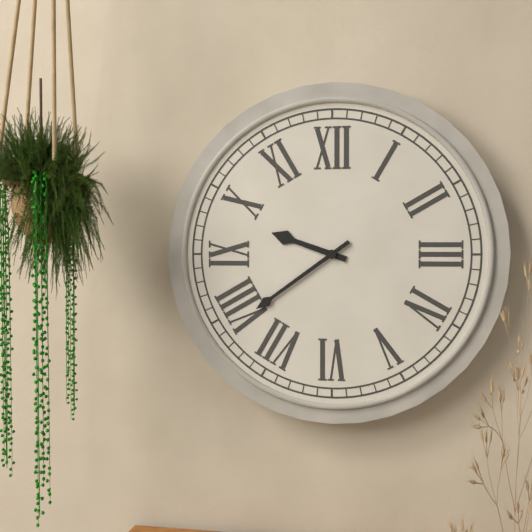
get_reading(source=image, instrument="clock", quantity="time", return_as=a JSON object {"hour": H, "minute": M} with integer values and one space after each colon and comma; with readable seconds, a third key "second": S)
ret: {"hour": 9, "minute": 39}
